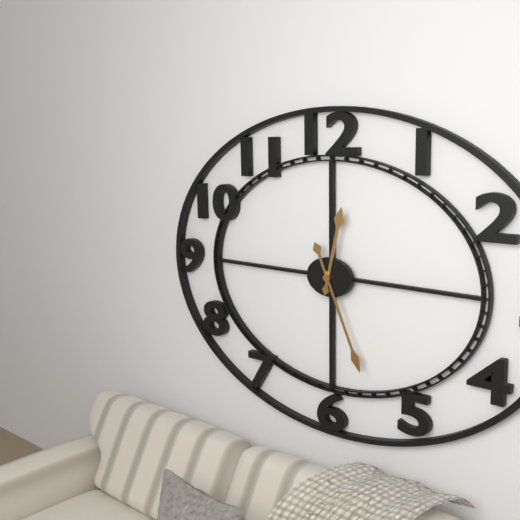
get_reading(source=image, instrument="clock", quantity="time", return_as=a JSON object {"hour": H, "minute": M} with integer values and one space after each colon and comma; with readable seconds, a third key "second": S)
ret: {"hour": 12, "minute": 26}
